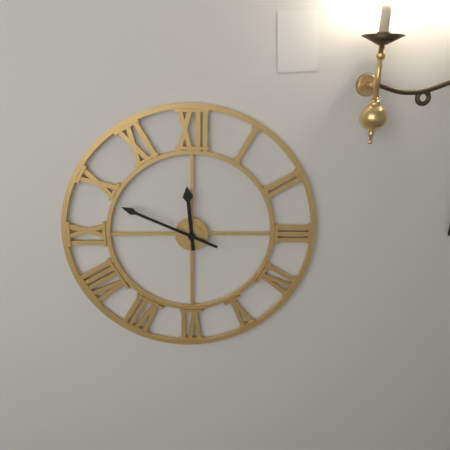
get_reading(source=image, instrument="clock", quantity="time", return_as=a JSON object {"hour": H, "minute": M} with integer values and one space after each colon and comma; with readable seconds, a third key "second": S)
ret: {"hour": 11, "minute": 49}
